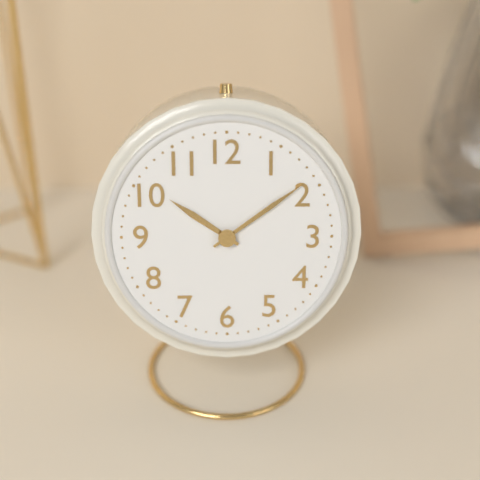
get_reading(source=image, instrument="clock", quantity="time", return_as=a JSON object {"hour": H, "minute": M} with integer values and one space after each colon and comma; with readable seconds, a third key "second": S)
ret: {"hour": 10, "minute": 9}
